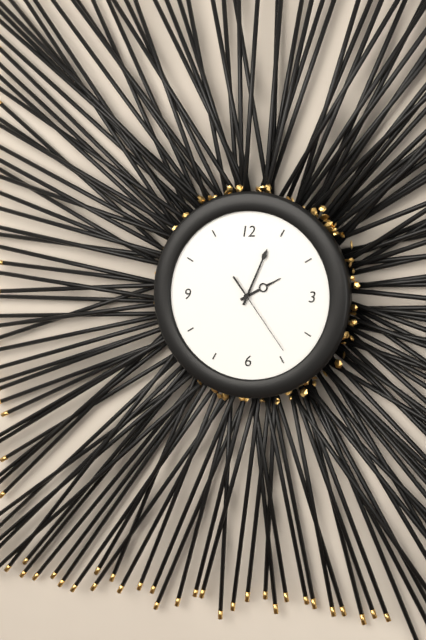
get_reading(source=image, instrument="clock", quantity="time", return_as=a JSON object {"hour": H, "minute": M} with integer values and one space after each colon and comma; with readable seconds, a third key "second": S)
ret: {"hour": 2, "minute": 4, "second": 24}
